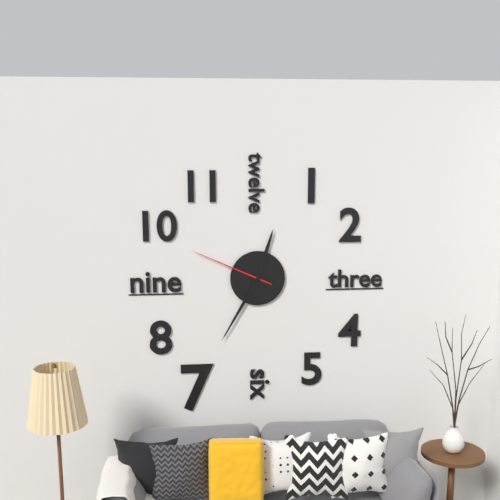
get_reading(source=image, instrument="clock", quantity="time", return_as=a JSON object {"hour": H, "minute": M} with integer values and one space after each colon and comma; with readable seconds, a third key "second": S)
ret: {"hour": 12, "minute": 35, "second": 49}
